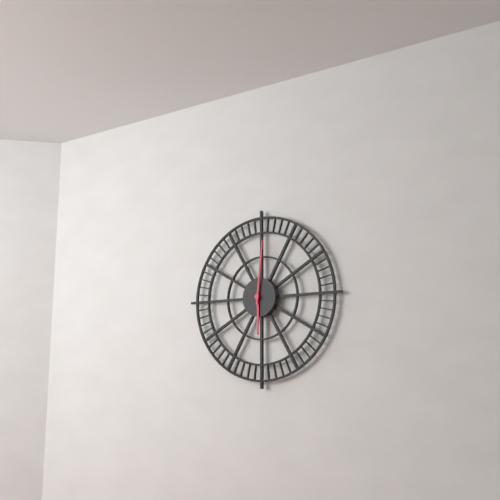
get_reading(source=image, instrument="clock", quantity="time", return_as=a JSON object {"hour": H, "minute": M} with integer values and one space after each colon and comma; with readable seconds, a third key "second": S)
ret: {"hour": 6, "minute": 1}
